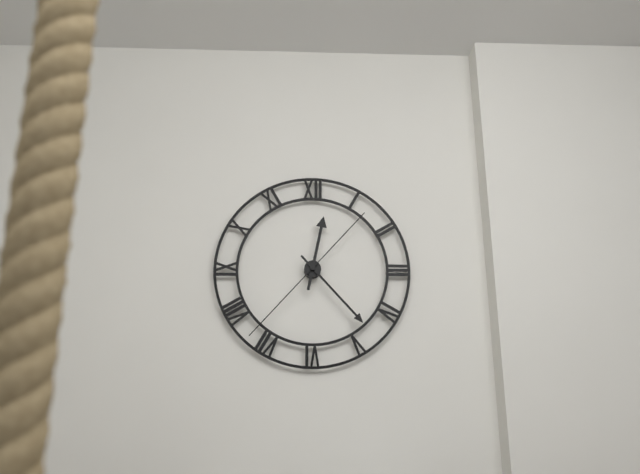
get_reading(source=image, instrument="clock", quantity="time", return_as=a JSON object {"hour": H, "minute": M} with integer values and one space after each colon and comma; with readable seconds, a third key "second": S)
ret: {"hour": 12, "minute": 23, "second": 37}
